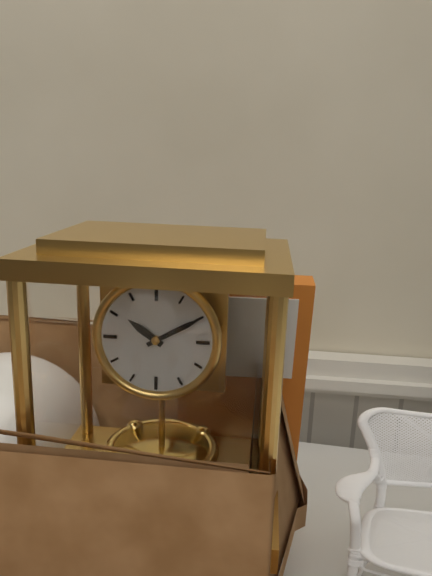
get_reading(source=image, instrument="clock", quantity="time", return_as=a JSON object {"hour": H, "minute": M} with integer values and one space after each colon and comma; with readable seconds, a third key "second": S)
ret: {"hour": 10, "minute": 10}
